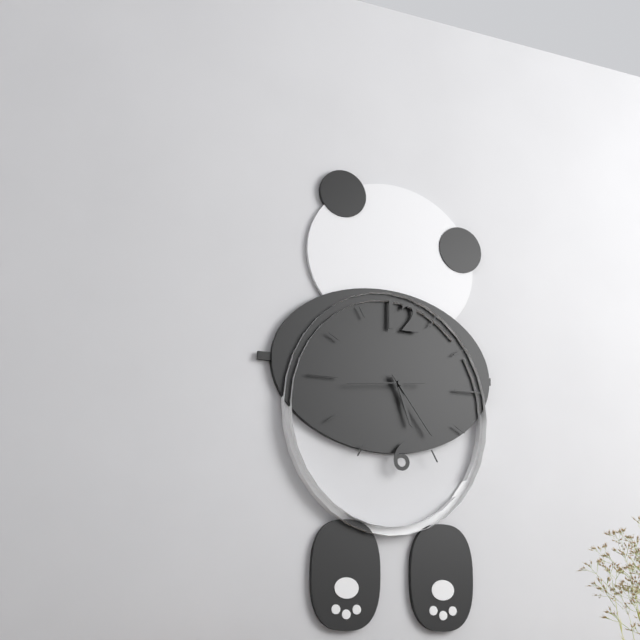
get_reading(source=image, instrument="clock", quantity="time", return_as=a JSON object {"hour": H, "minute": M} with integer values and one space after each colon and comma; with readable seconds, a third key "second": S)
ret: {"hour": 5, "minute": 24, "second": 44}
